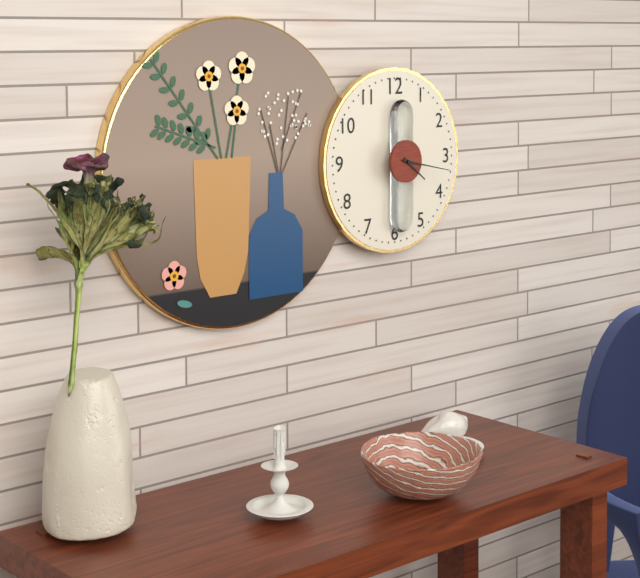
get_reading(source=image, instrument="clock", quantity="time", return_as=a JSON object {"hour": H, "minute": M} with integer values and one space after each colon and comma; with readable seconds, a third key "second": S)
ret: {"hour": 4, "minute": 17}
